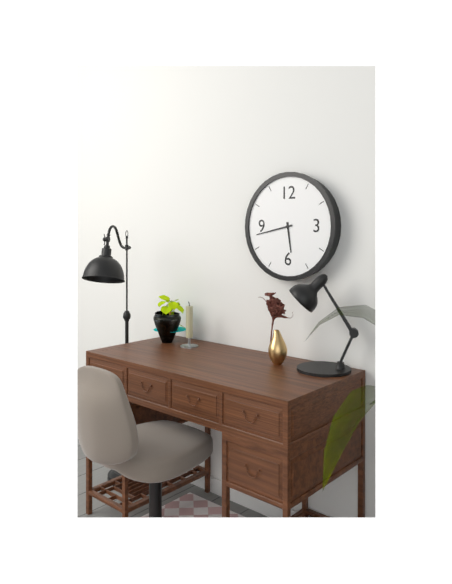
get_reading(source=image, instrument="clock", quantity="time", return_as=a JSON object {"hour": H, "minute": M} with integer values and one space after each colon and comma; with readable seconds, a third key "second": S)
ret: {"hour": 5, "minute": 43}
